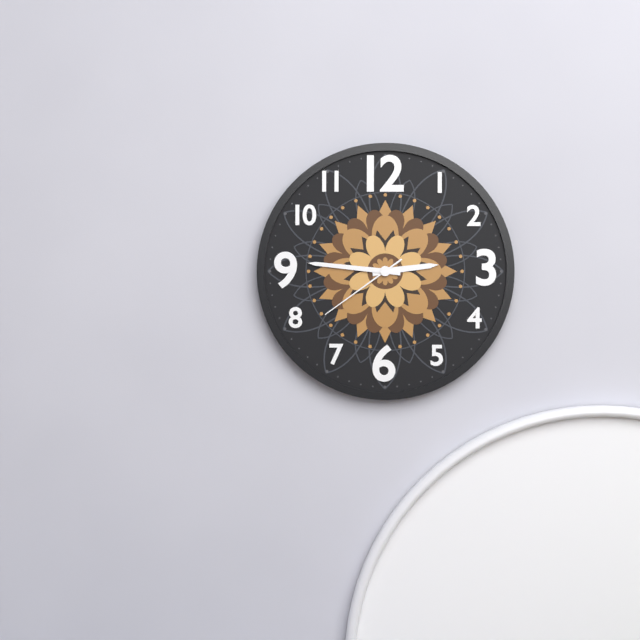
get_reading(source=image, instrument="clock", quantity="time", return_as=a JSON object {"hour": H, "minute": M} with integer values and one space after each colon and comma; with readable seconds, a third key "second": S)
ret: {"hour": 2, "minute": 46, "second": 39}
